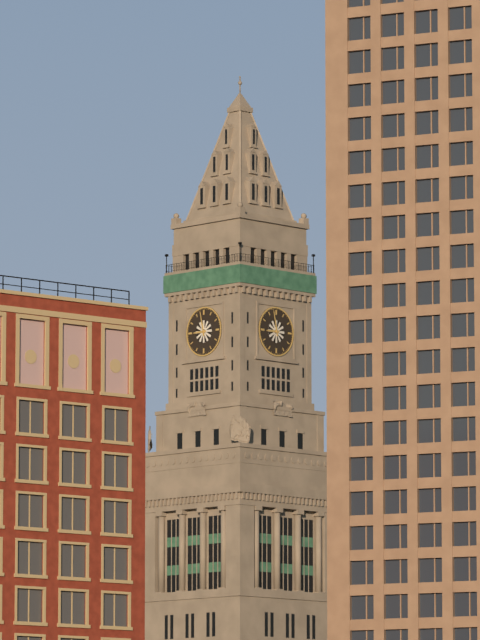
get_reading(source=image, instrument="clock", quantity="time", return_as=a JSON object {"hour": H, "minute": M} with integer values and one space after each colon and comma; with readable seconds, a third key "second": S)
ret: {"hour": 8, "minute": 58}
